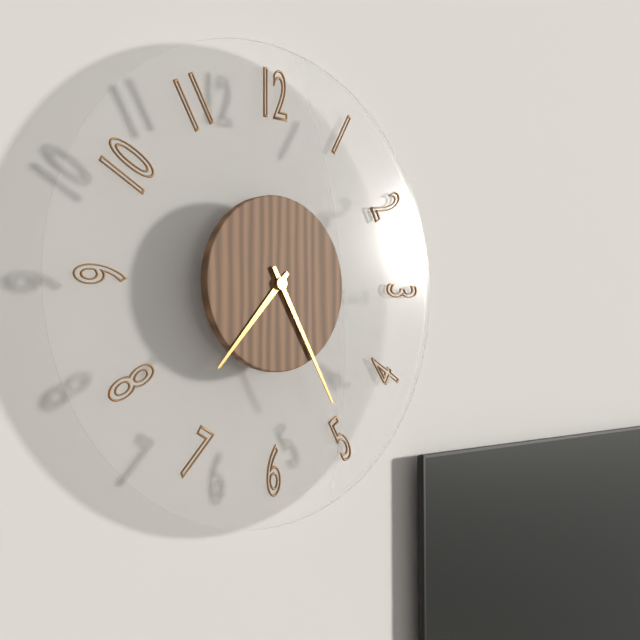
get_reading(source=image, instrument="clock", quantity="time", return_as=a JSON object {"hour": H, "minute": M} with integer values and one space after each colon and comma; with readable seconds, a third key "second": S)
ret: {"hour": 7, "minute": 25}
